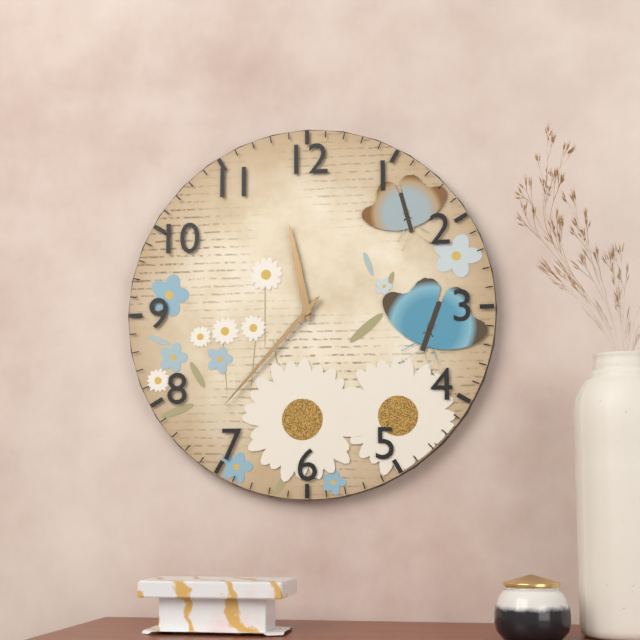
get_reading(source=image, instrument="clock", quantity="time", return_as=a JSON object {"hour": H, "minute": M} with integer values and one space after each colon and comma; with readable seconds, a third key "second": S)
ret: {"hour": 11, "minute": 37}
